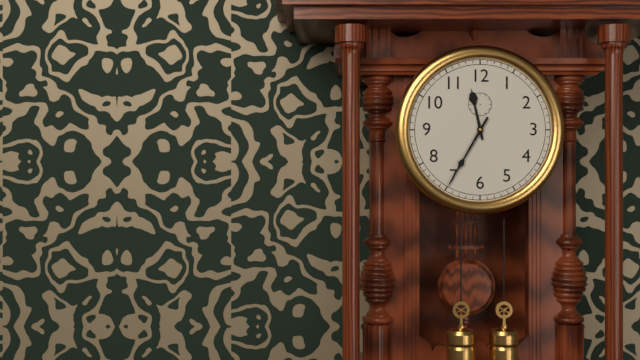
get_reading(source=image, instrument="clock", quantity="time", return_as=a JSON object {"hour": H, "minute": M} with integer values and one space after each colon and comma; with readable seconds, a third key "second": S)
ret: {"hour": 11, "minute": 35}
